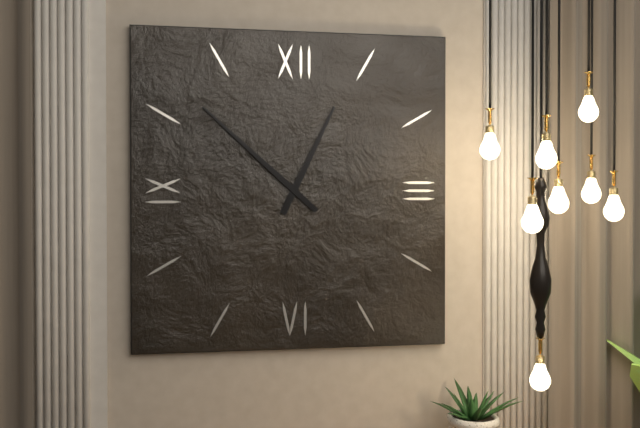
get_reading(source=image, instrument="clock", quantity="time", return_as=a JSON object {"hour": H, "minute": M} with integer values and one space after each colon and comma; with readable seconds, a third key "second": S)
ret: {"hour": 12, "minute": 52}
